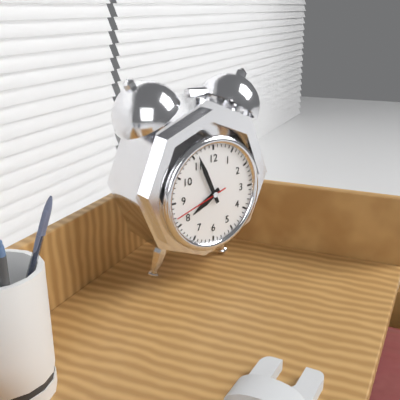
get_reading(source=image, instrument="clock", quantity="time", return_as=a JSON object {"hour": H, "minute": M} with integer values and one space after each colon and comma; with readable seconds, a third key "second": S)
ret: {"hour": 7, "minute": 56, "second": 42}
